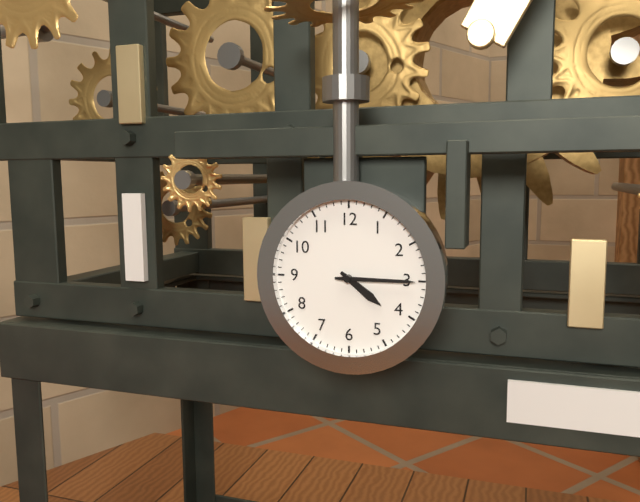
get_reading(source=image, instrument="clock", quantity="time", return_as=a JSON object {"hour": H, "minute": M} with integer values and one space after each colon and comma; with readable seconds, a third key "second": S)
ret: {"hour": 4, "minute": 15}
